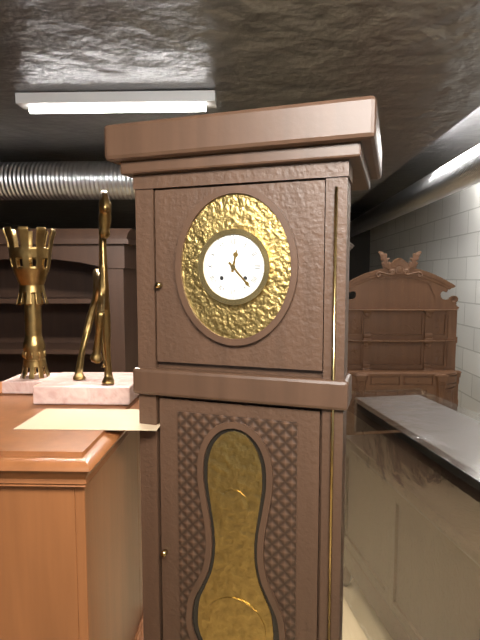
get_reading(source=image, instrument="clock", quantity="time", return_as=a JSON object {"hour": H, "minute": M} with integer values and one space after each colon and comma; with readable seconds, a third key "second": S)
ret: {"hour": 12, "minute": 23}
